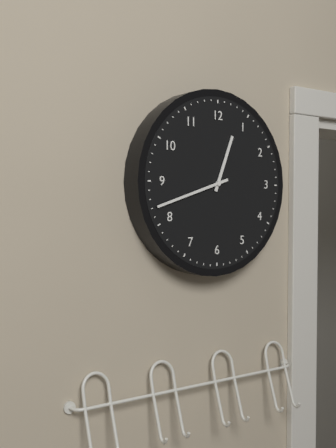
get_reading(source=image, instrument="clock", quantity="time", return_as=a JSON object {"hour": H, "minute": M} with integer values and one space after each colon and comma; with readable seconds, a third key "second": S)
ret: {"hour": 12, "minute": 42}
